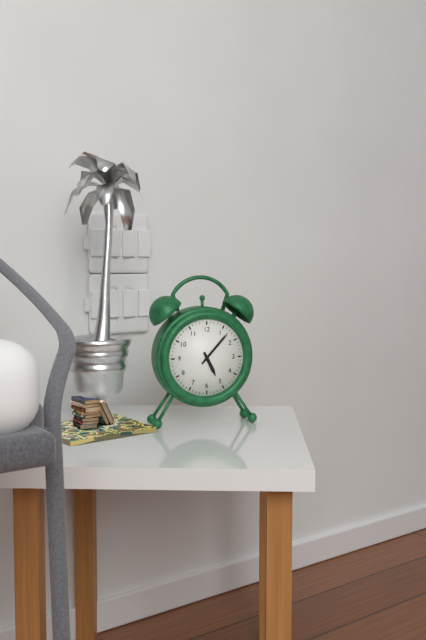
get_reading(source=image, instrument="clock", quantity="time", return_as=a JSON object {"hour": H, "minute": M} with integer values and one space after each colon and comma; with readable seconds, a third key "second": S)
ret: {"hour": 5, "minute": 7}
